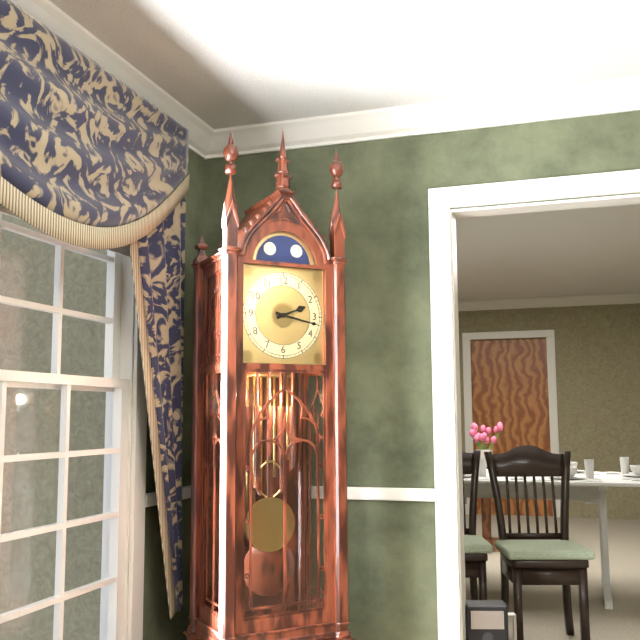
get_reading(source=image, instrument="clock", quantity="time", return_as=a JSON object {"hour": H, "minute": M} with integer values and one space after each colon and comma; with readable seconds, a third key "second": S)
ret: {"hour": 2, "minute": 17}
